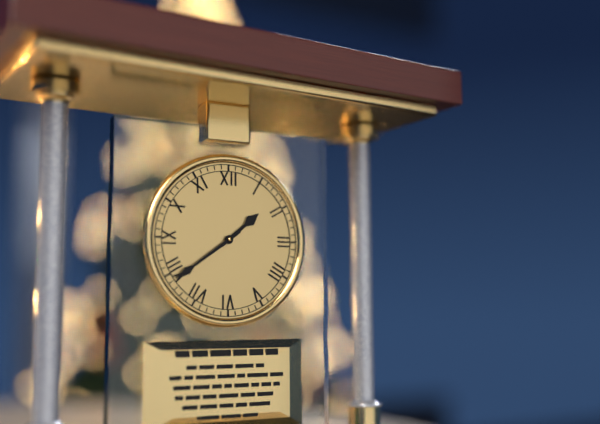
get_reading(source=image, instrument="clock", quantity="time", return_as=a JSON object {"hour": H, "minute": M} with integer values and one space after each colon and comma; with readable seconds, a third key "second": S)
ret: {"hour": 1, "minute": 39}
